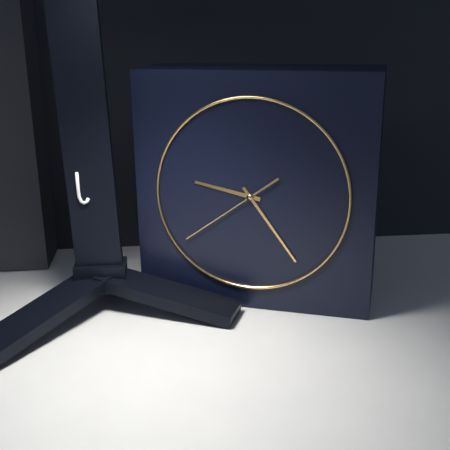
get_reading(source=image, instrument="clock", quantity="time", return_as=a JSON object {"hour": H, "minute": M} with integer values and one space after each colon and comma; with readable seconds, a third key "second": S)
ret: {"hour": 9, "minute": 24, "second": 39}
